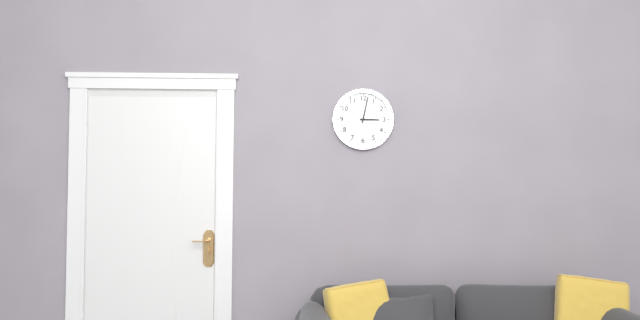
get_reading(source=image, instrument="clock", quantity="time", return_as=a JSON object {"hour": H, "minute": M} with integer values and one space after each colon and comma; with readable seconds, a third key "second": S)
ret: {"hour": 3, "minute": 2}
